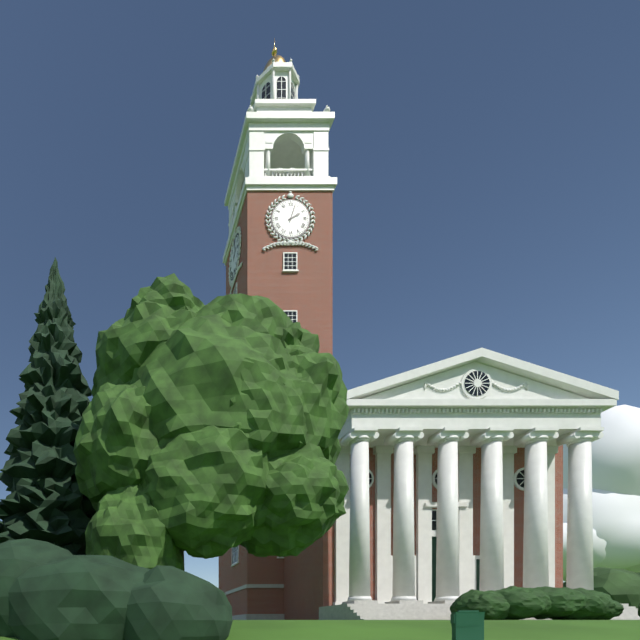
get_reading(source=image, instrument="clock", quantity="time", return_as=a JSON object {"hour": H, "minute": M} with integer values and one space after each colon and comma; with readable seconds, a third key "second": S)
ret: {"hour": 2, "minute": 3}
